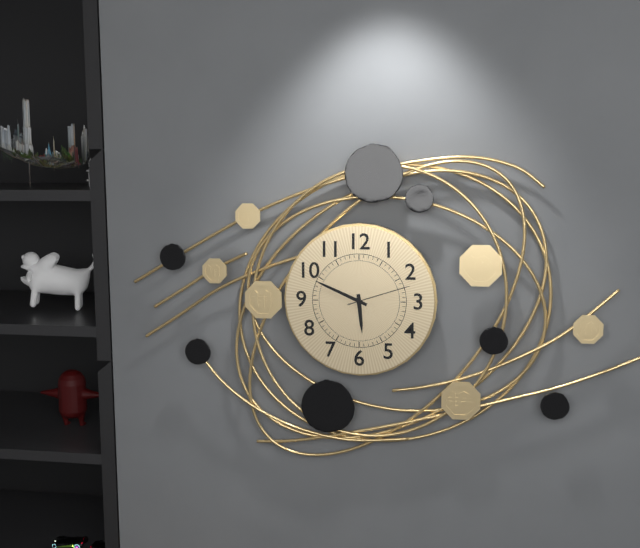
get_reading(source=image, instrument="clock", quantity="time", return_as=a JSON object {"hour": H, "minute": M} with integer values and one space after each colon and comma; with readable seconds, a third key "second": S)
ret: {"hour": 5, "minute": 49, "second": 12}
